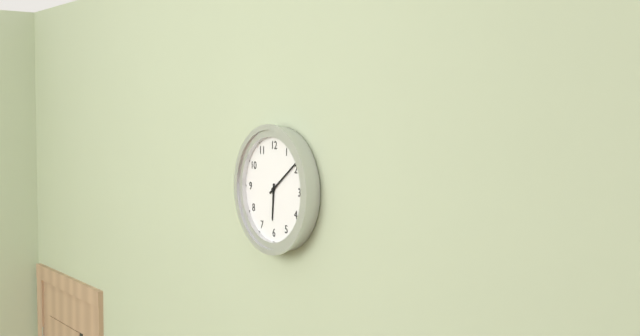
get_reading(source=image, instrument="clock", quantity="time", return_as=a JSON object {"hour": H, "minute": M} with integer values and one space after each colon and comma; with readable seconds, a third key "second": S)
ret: {"hour": 6, "minute": 9}
